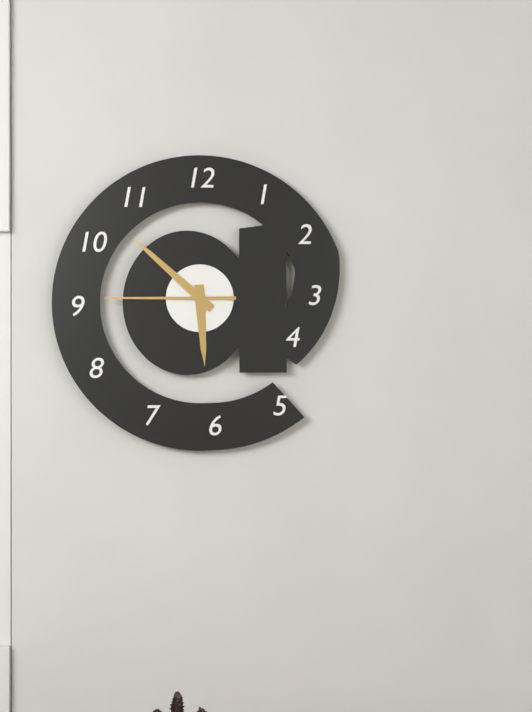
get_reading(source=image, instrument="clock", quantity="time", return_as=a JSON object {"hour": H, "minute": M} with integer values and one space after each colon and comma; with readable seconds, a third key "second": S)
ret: {"hour": 5, "minute": 52, "second": 45}
